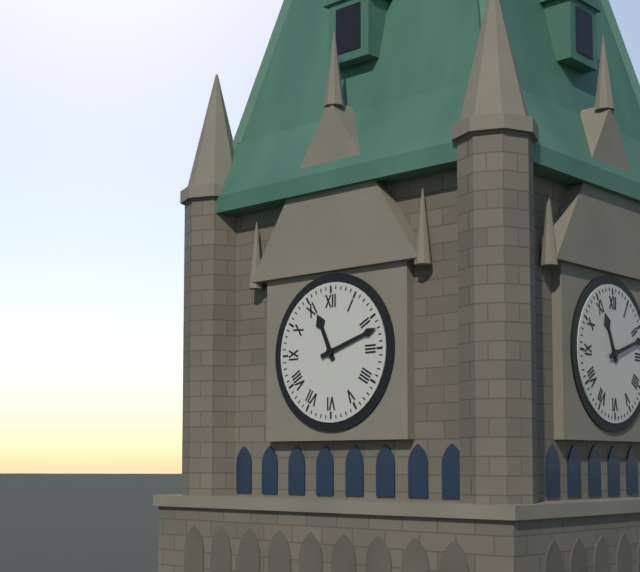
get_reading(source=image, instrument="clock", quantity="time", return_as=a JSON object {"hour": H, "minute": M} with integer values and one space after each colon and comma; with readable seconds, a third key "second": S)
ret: {"hour": 11, "minute": 12}
